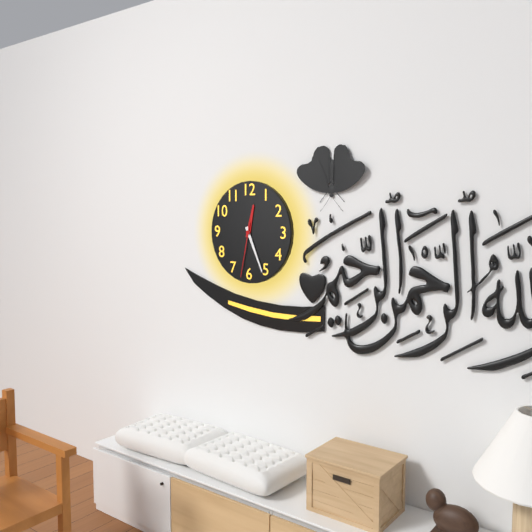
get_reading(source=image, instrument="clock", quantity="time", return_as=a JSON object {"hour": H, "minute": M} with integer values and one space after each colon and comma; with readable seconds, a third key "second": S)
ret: {"hour": 12, "minute": 26, "second": 32}
